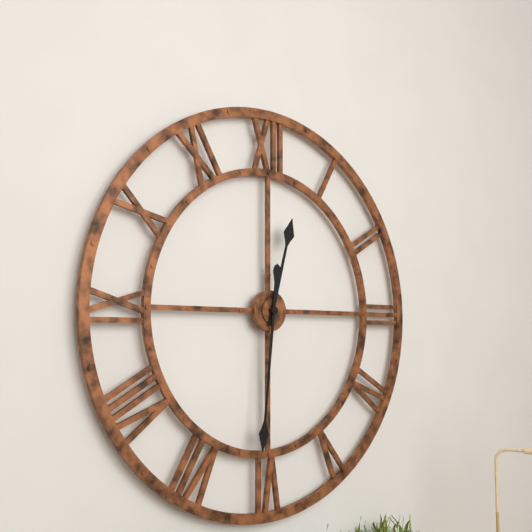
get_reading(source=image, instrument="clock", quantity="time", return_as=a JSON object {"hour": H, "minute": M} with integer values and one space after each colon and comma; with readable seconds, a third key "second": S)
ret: {"hour": 12, "minute": 31}
